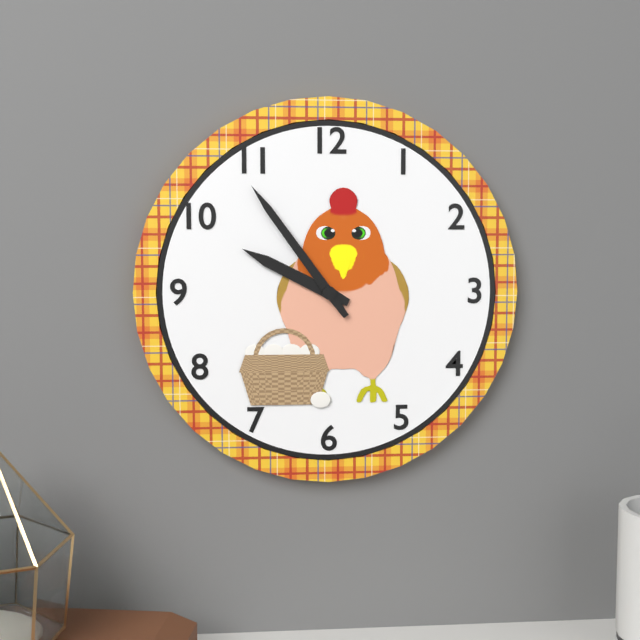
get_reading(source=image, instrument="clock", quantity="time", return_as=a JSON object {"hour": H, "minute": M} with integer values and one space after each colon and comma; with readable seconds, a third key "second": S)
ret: {"hour": 9, "minute": 54}
